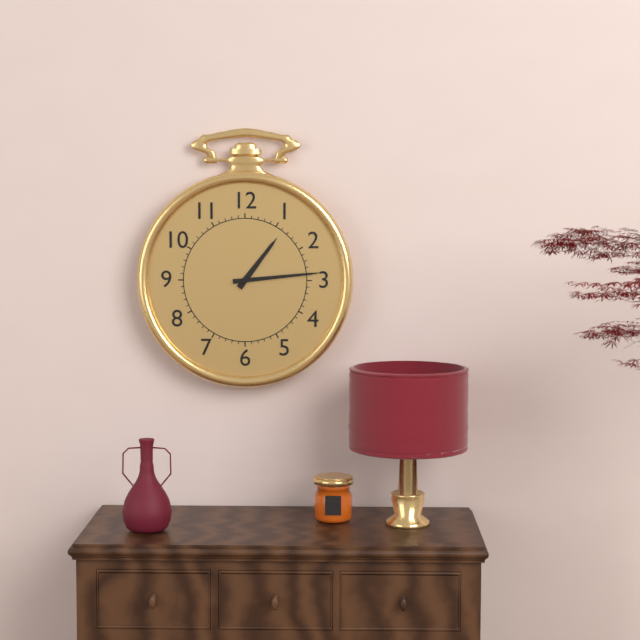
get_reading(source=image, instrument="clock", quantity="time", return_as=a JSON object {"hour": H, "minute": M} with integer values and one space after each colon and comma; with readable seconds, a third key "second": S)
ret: {"hour": 1, "minute": 14}
